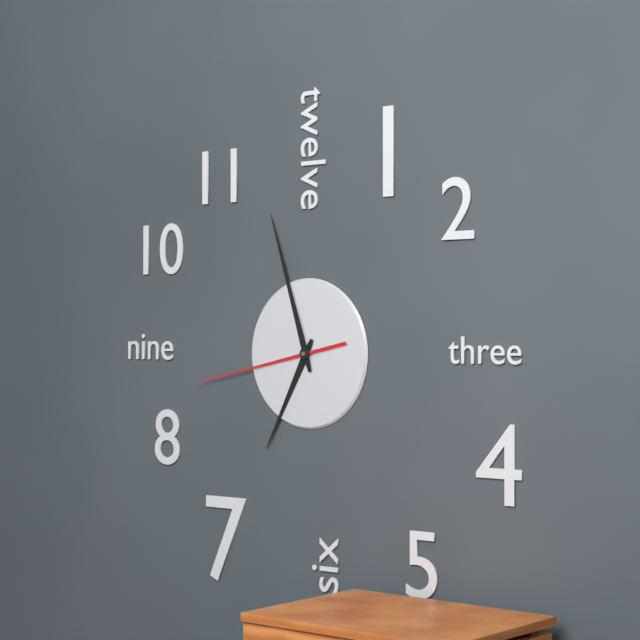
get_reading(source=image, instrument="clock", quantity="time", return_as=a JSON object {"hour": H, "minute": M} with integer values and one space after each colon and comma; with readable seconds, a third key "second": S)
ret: {"hour": 6, "minute": 57, "second": 43}
